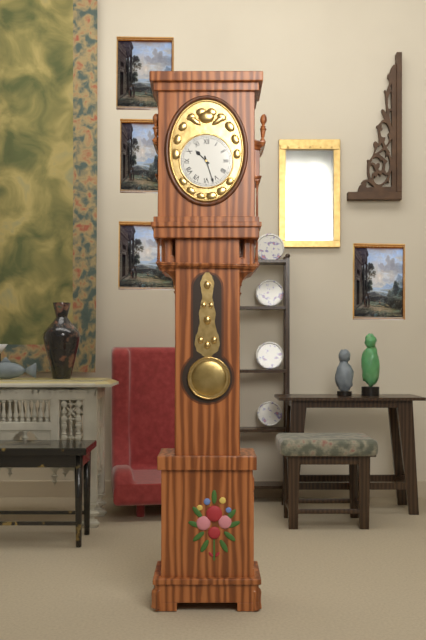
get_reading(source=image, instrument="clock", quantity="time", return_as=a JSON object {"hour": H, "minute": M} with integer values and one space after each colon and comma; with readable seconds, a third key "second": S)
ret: {"hour": 10, "minute": 27}
